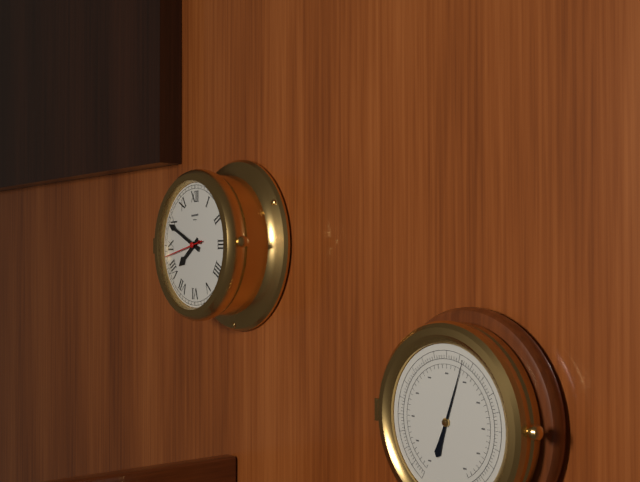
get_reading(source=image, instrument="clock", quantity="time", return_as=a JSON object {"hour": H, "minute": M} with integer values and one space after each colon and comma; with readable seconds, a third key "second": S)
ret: {"hour": 7, "minute": 49, "second": 43}
